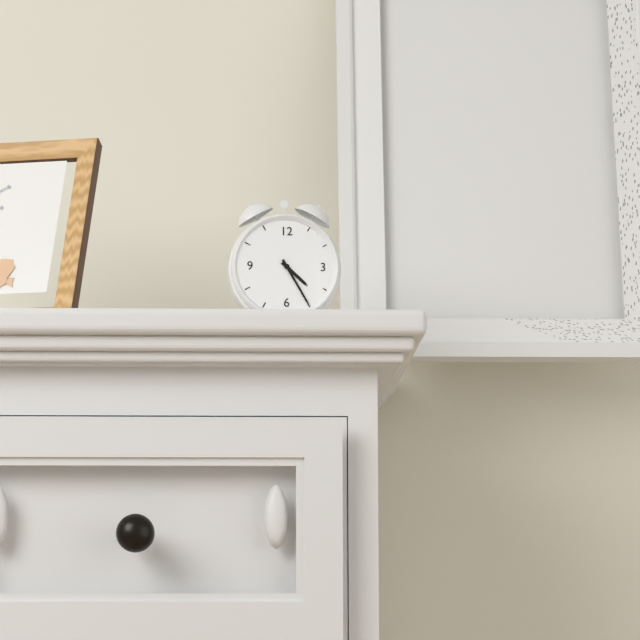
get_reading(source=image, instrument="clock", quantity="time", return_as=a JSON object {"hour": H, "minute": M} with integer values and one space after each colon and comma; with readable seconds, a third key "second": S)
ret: {"hour": 4, "minute": 25}
